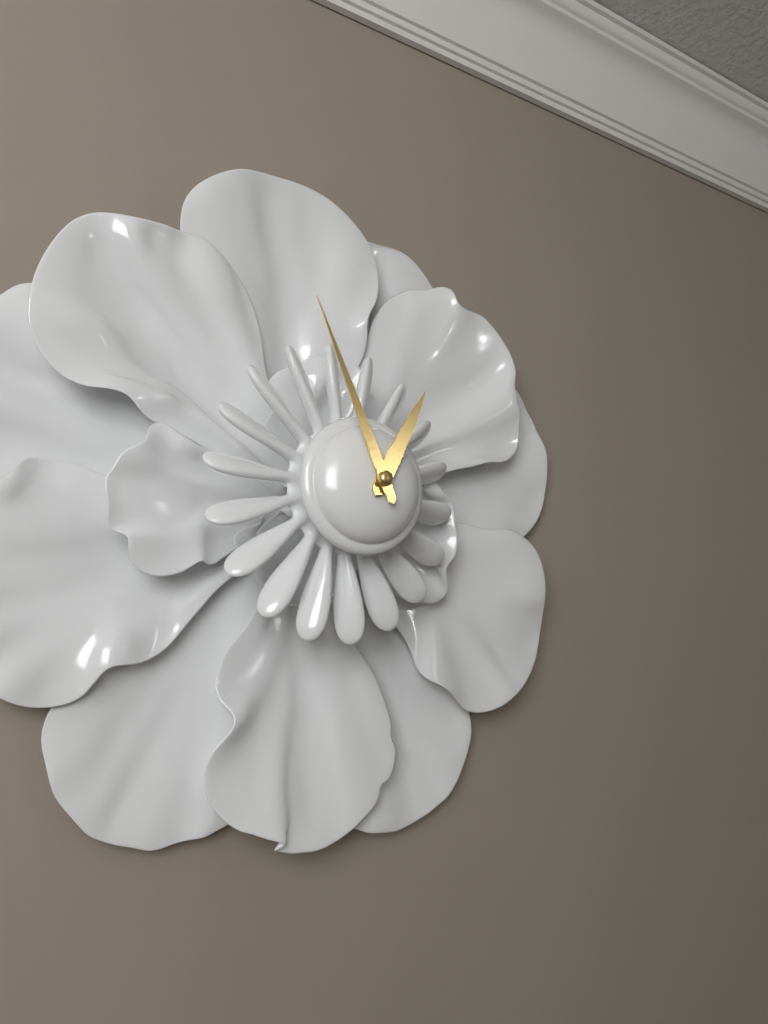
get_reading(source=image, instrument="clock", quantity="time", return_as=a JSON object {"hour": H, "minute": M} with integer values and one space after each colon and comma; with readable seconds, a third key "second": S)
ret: {"hour": 12, "minute": 56}
